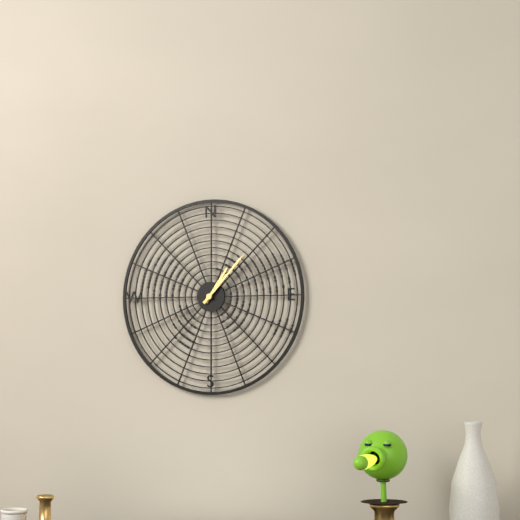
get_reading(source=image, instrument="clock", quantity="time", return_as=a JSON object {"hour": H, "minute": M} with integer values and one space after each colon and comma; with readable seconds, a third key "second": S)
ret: {"hour": 1, "minute": 7}
